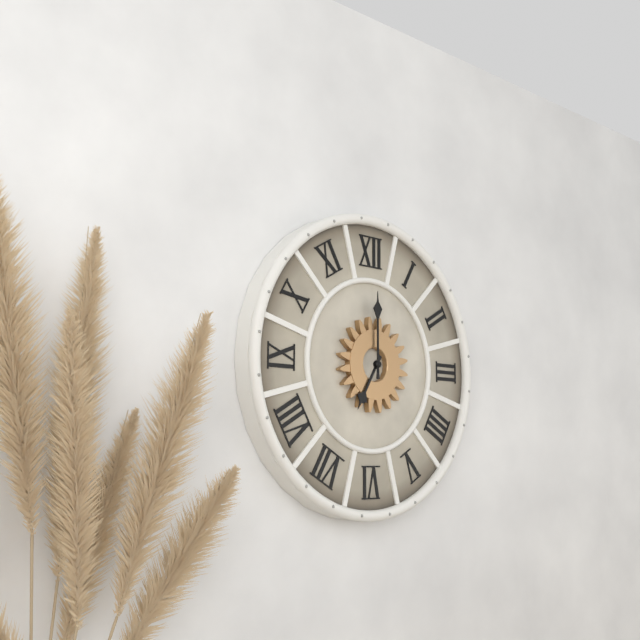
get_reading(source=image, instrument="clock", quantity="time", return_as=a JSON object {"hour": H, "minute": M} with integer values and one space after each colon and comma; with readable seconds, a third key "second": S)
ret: {"hour": 7, "minute": 0}
